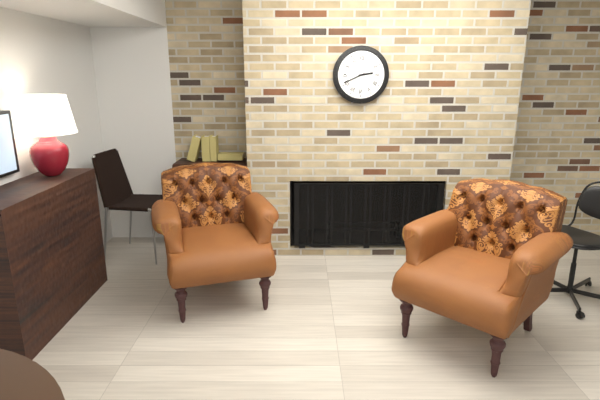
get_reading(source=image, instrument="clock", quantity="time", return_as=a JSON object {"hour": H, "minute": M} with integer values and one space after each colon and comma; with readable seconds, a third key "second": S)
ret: {"hour": 2, "minute": 41}
